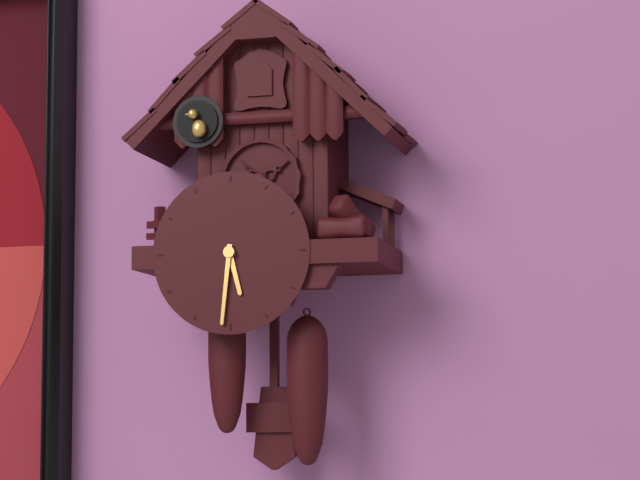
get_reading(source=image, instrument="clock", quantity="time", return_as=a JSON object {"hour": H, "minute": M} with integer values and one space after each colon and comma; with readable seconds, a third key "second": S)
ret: {"hour": 5, "minute": 31}
